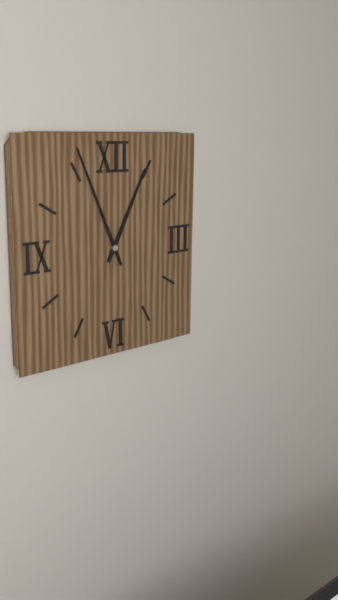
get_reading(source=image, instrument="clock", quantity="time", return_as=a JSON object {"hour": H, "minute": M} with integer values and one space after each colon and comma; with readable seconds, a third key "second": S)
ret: {"hour": 12, "minute": 56}
